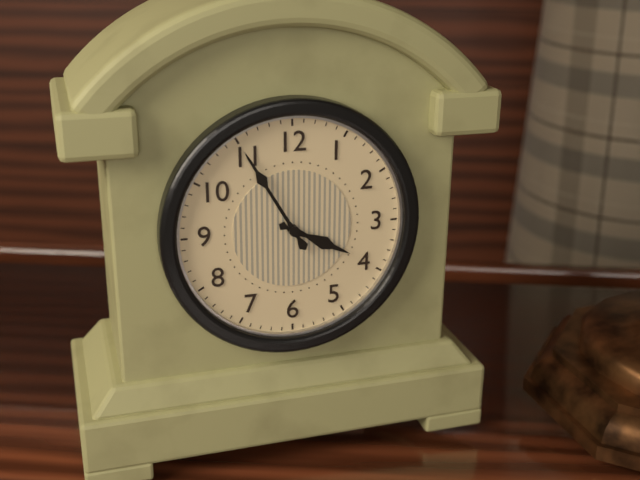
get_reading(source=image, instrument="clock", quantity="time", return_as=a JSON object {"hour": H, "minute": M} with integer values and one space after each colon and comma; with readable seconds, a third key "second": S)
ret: {"hour": 3, "minute": 55}
